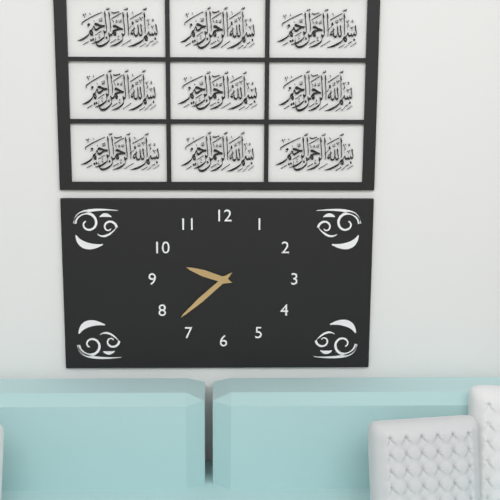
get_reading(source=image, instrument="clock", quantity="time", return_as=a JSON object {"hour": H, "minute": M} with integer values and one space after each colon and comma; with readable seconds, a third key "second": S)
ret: {"hour": 9, "minute": 38}
